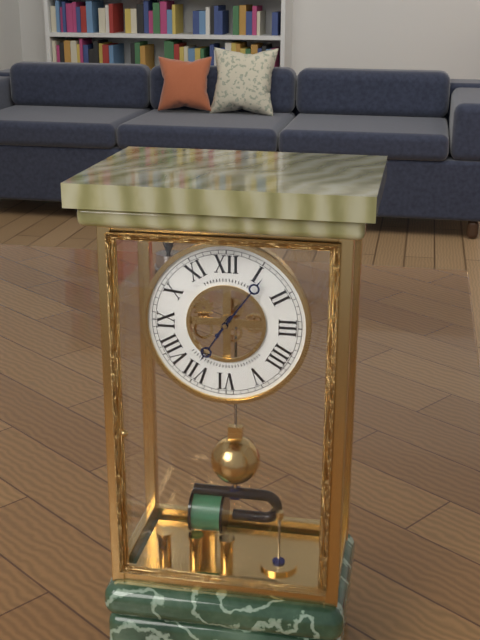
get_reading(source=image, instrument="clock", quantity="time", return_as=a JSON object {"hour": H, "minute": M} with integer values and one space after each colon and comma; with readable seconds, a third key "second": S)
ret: {"hour": 7, "minute": 6}
